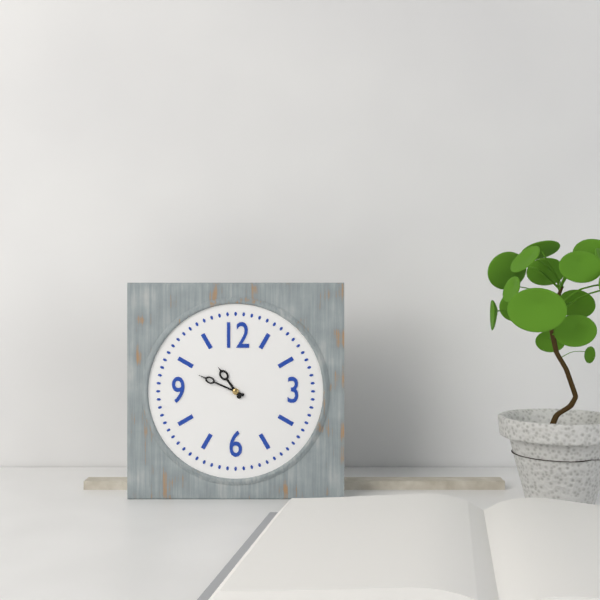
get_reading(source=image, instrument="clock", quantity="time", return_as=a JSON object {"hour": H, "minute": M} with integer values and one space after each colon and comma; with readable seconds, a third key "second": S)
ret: {"hour": 10, "minute": 49}
